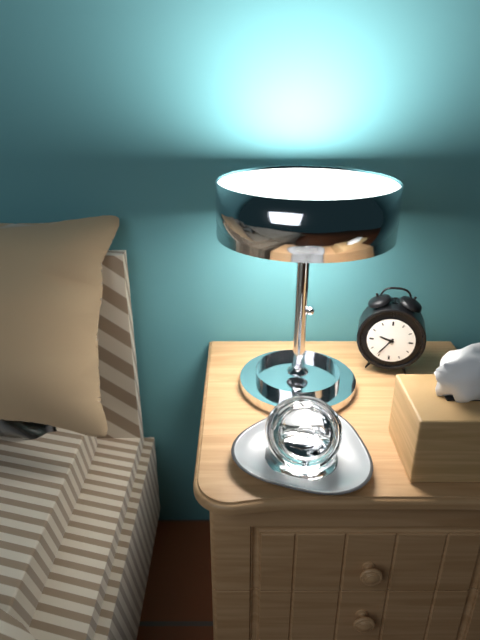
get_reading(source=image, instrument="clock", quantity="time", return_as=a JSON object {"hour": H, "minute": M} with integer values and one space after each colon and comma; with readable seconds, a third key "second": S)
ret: {"hour": 9, "minute": 36}
